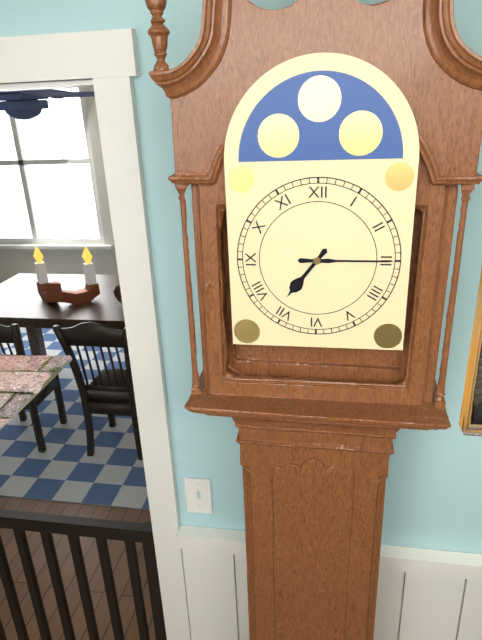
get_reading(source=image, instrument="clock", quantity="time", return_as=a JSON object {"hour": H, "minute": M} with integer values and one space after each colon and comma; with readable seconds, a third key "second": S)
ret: {"hour": 7, "minute": 15}
